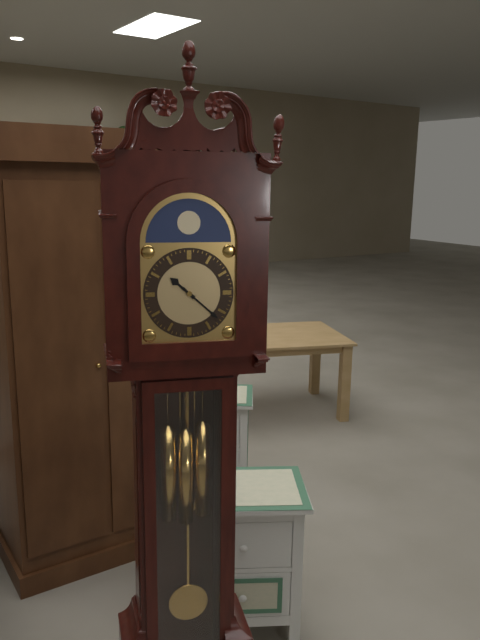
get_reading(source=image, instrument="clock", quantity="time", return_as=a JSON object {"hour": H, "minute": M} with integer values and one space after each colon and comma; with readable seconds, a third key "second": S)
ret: {"hour": 10, "minute": 22}
